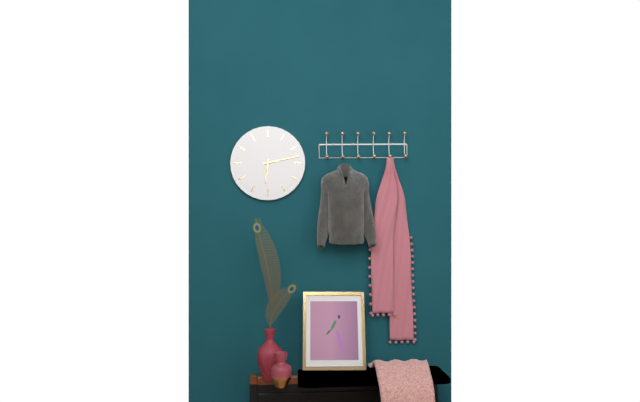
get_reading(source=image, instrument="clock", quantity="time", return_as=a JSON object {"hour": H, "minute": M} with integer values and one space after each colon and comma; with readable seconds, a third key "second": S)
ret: {"hour": 6, "minute": 13}
